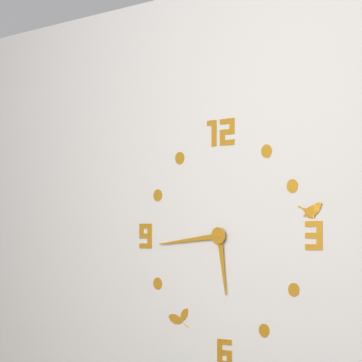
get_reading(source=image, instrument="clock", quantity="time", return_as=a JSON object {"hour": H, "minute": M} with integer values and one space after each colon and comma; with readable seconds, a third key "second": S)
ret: {"hour": 5, "minute": 44}
